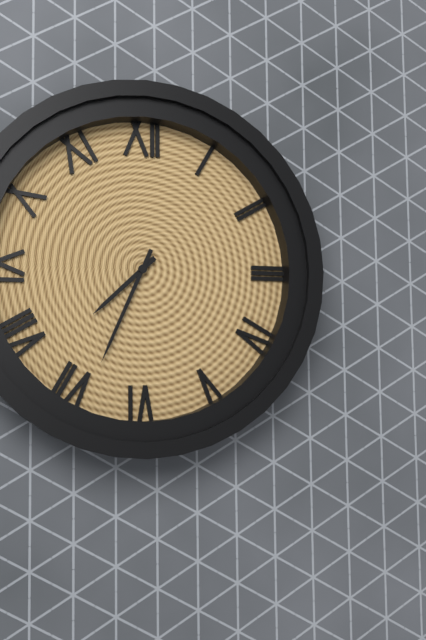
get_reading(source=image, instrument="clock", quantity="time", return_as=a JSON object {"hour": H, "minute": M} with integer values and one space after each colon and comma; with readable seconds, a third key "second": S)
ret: {"hour": 7, "minute": 34}
